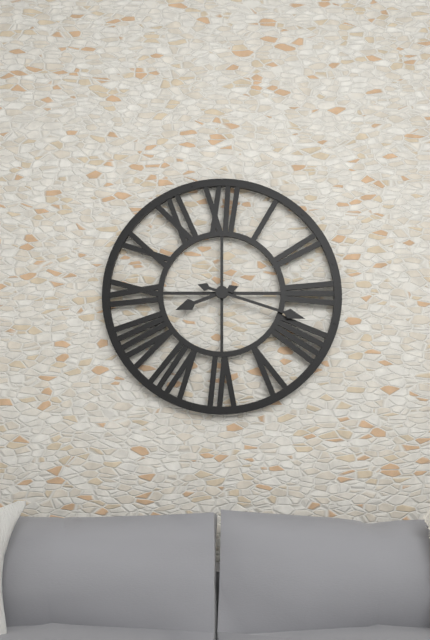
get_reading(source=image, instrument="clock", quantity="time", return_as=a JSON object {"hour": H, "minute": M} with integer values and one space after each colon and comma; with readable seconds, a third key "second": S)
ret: {"hour": 8, "minute": 18}
